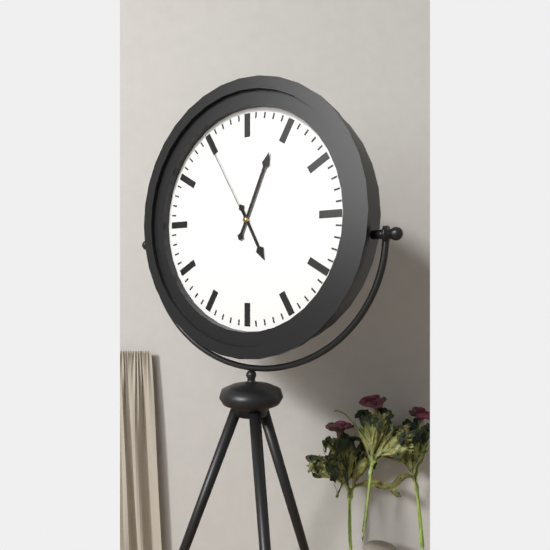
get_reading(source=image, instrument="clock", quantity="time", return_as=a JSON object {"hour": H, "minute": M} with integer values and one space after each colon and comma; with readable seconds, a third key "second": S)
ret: {"hour": 5, "minute": 4, "second": 55}
